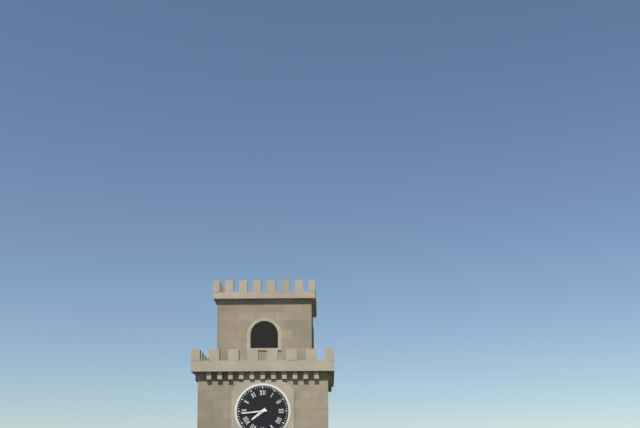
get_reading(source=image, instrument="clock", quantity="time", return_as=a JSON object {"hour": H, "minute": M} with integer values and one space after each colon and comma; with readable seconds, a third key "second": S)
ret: {"hour": 7, "minute": 44}
